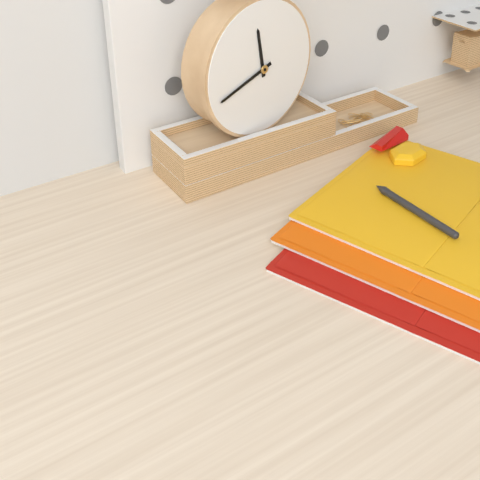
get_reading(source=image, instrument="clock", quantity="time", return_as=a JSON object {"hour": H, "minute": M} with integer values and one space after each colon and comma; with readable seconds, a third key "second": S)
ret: {"hour": 11, "minute": 42}
